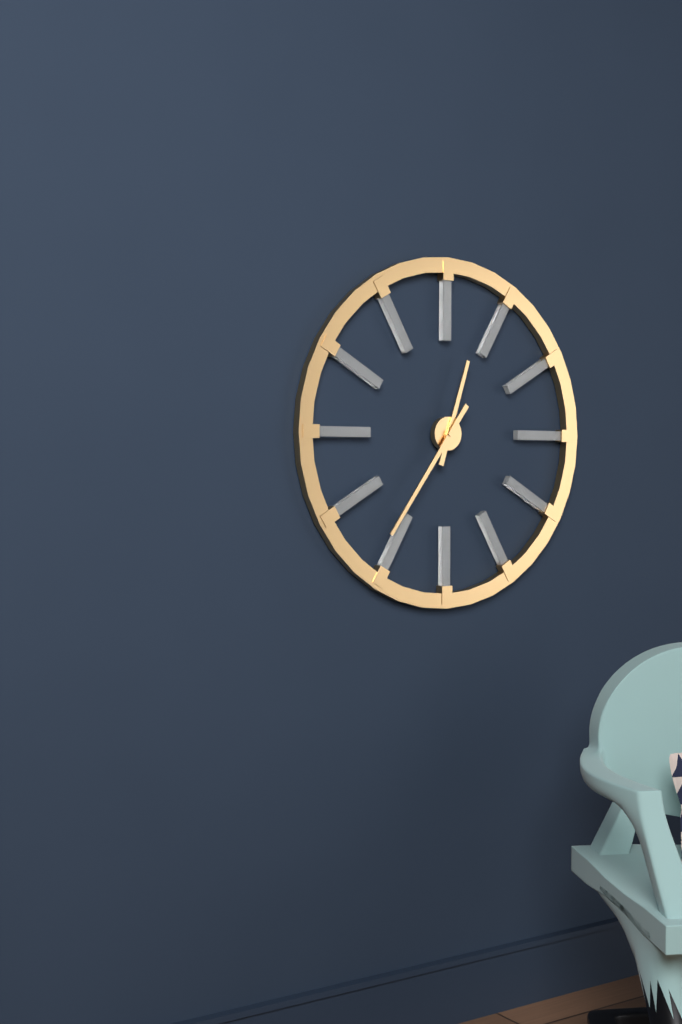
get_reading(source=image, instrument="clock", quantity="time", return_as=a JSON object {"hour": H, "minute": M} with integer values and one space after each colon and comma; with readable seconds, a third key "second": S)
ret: {"hour": 12, "minute": 36}
